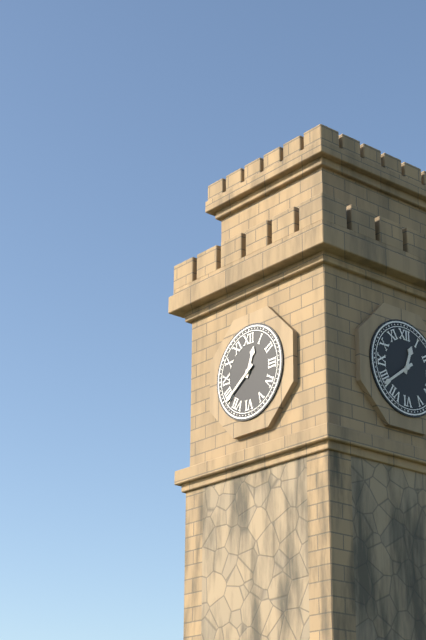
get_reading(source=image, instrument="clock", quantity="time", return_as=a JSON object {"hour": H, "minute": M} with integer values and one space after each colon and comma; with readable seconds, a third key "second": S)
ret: {"hour": 12, "minute": 39}
